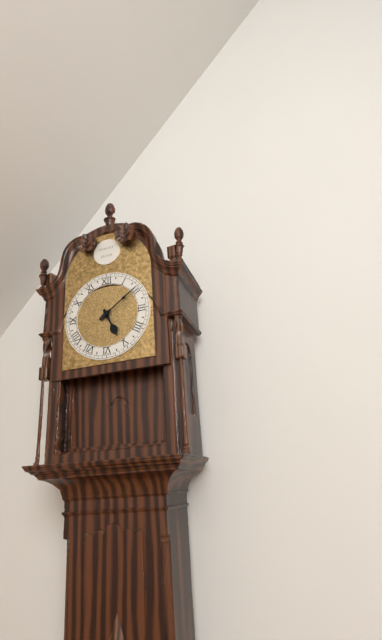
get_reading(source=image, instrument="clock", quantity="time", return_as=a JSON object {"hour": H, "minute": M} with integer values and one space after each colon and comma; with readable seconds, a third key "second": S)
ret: {"hour": 5, "minute": 9}
